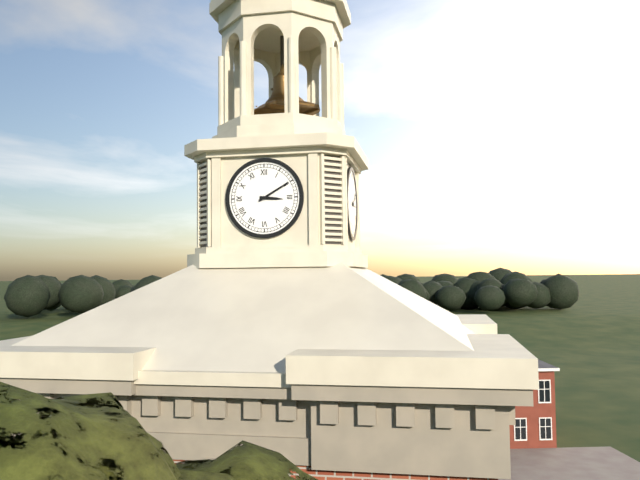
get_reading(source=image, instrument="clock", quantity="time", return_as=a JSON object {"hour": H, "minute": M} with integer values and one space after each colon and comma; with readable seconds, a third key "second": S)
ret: {"hour": 3, "minute": 10}
